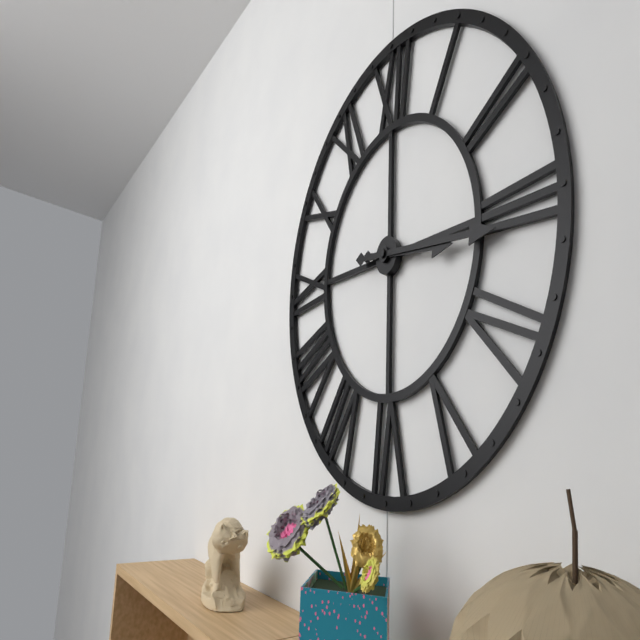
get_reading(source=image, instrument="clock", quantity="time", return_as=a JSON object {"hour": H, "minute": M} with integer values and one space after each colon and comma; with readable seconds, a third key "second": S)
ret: {"hour": 3, "minute": 16}
